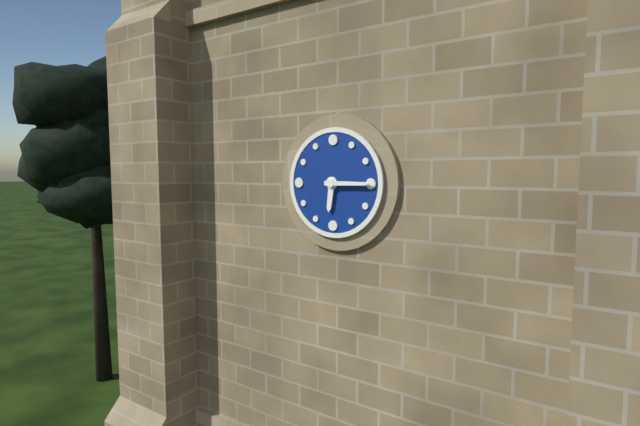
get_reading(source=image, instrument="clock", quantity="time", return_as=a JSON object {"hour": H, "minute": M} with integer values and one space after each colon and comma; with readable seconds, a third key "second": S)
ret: {"hour": 6, "minute": 15}
